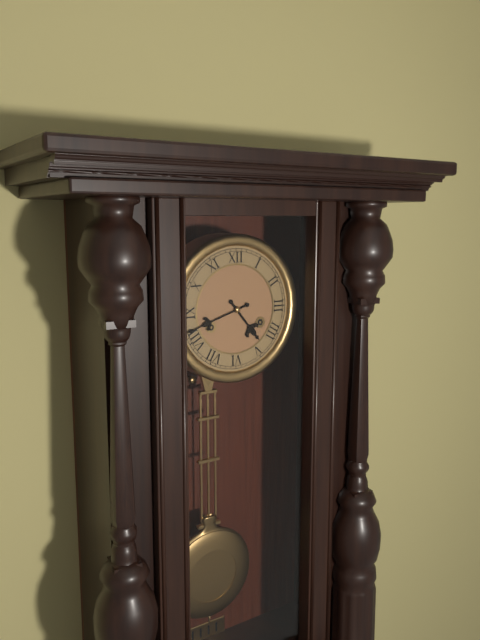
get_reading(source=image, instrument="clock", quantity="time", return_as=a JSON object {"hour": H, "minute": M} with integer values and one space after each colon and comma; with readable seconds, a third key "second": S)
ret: {"hour": 4, "minute": 42}
